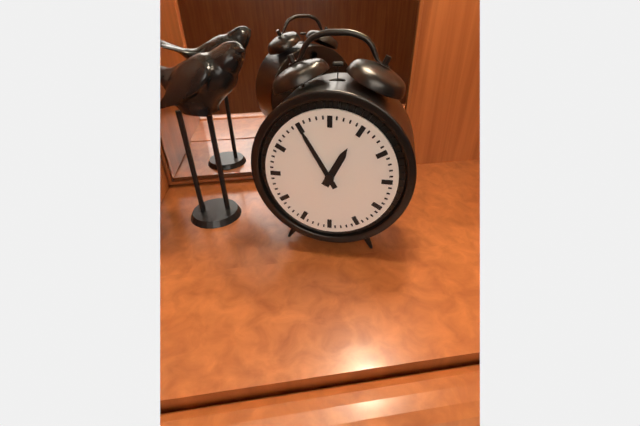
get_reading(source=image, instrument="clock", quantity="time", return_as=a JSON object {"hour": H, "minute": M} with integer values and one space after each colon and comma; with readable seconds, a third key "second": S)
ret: {"hour": 12, "minute": 55}
